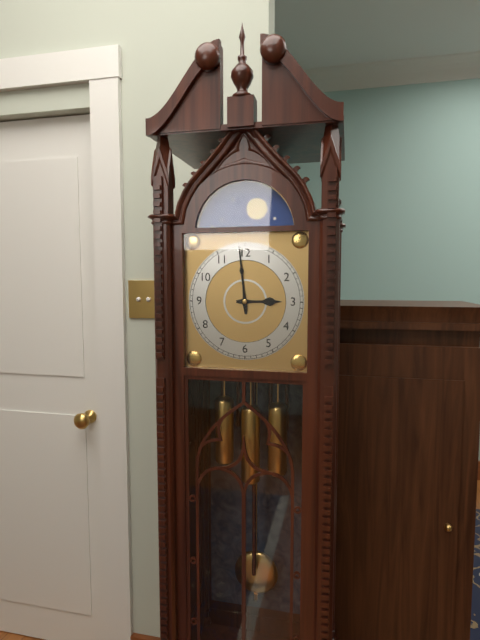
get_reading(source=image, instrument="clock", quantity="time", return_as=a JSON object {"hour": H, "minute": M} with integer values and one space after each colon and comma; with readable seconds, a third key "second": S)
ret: {"hour": 2, "minute": 59}
